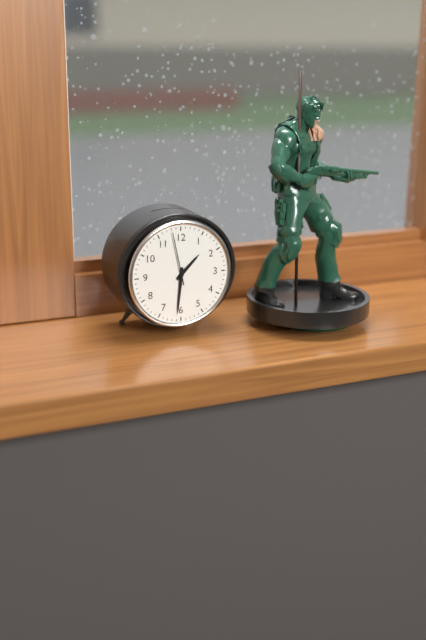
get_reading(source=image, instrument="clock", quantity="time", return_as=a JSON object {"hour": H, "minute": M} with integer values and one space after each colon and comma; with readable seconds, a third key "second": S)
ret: {"hour": 1, "minute": 31, "second": 58}
